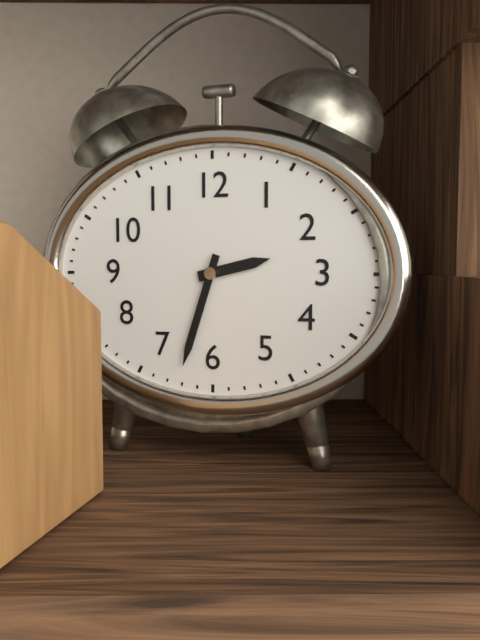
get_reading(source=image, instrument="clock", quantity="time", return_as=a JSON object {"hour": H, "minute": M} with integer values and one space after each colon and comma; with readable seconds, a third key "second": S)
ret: {"hour": 2, "minute": 33}
